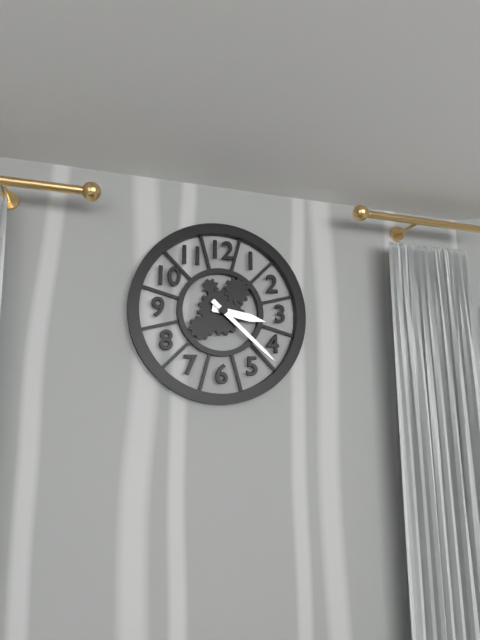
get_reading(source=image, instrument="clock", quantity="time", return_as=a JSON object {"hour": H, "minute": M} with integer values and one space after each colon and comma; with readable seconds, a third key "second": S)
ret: {"hour": 3, "minute": 22}
